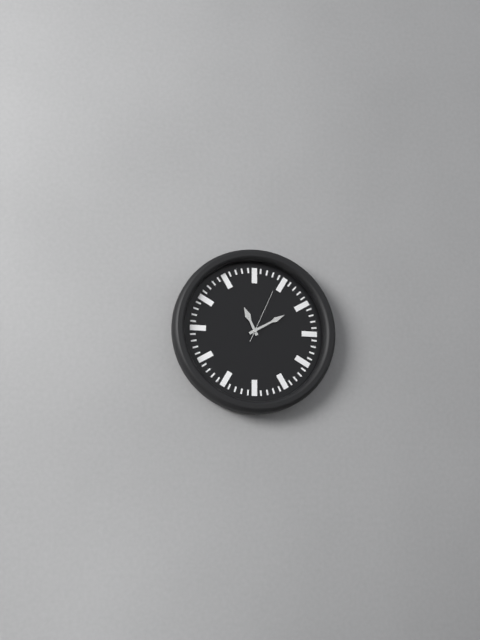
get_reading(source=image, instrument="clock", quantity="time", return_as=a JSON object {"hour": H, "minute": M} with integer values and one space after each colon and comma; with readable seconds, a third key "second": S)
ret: {"hour": 11, "minute": 10, "second": 4}
